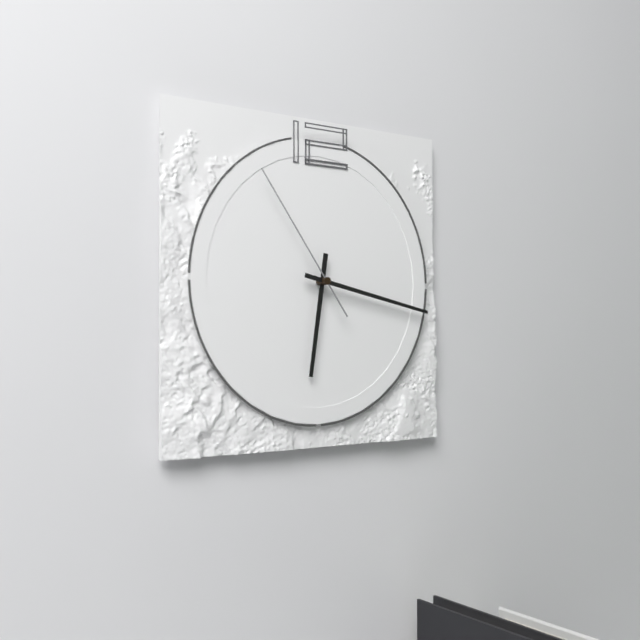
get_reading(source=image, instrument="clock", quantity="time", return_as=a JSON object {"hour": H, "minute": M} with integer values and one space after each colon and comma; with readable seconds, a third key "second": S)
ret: {"hour": 6, "minute": 17, "second": 54}
